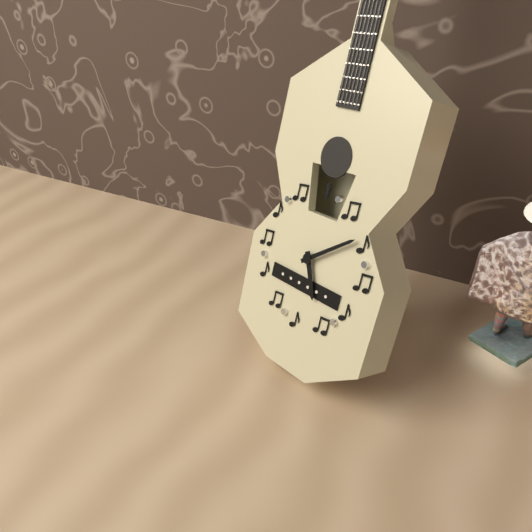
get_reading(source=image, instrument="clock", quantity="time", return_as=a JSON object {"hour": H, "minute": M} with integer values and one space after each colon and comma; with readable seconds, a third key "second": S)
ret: {"hour": 5, "minute": 9}
